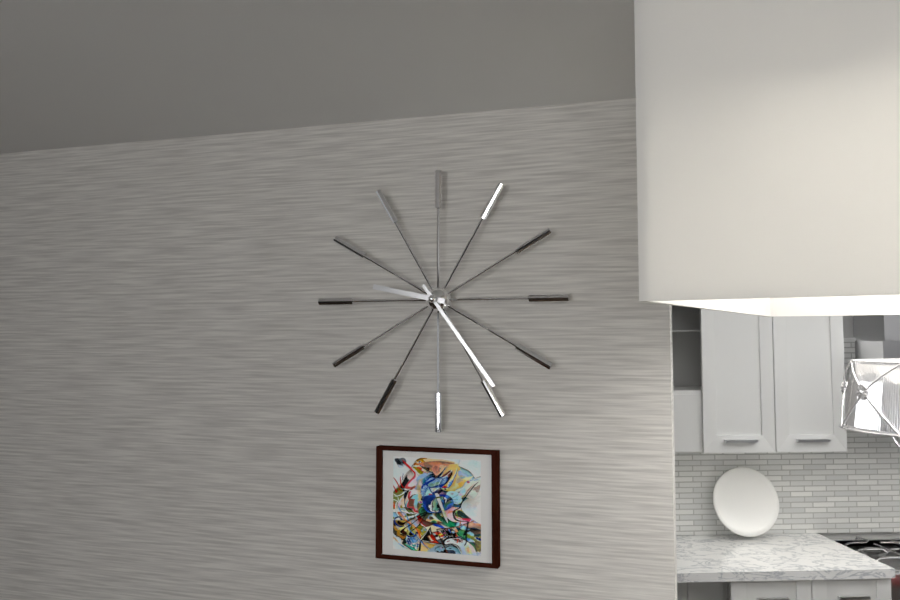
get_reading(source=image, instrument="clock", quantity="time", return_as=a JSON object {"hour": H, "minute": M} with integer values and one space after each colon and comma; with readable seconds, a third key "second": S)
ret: {"hour": 9, "minute": 24}
